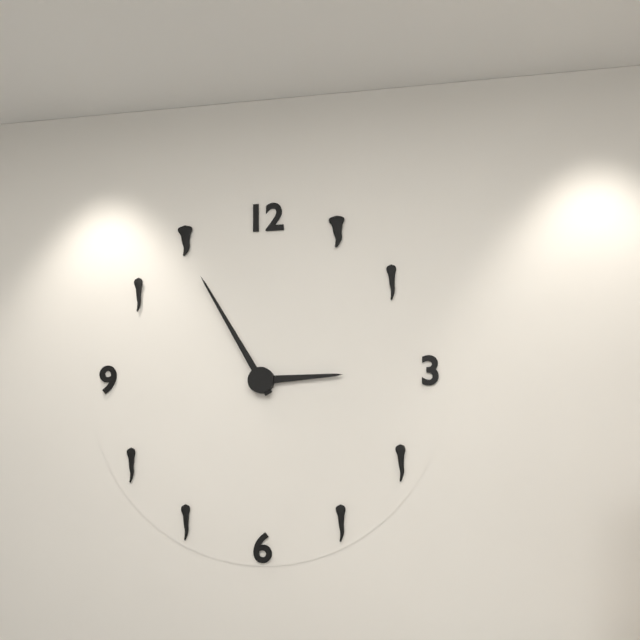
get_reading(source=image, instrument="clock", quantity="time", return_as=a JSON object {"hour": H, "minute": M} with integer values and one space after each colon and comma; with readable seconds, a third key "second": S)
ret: {"hour": 2, "minute": 55}
